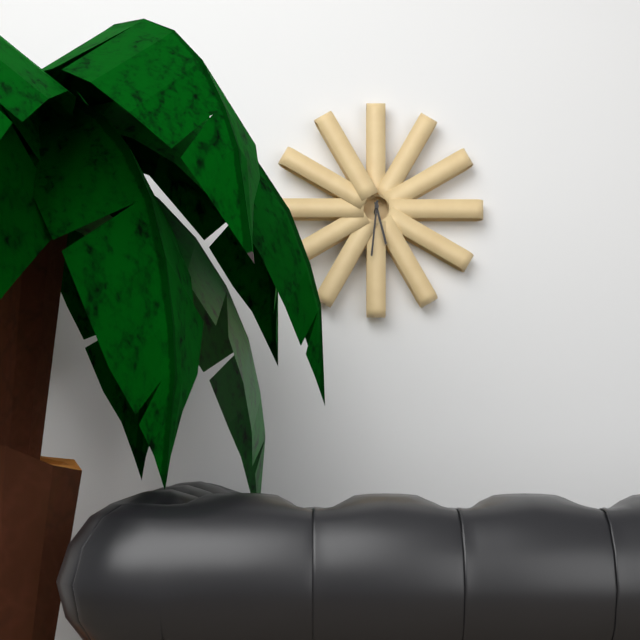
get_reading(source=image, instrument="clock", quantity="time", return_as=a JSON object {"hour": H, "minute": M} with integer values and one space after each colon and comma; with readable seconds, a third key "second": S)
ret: {"hour": 5, "minute": 31}
